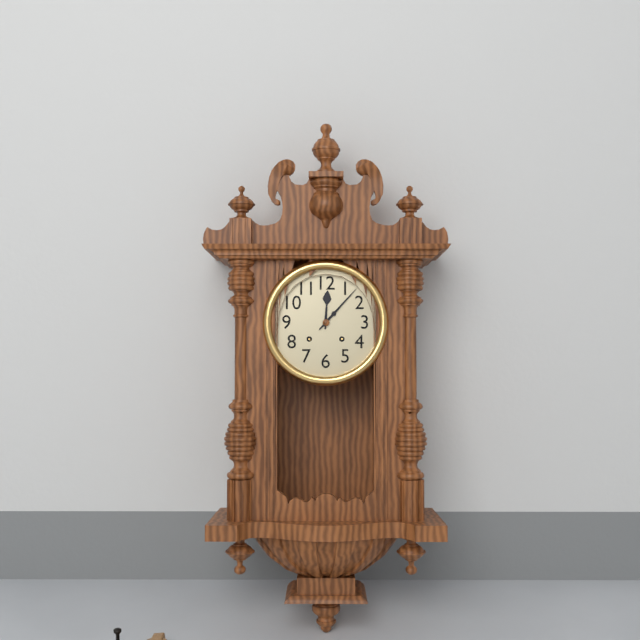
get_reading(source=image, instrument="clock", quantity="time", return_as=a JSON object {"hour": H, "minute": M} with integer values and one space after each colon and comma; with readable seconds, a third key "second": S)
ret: {"hour": 12, "minute": 7}
